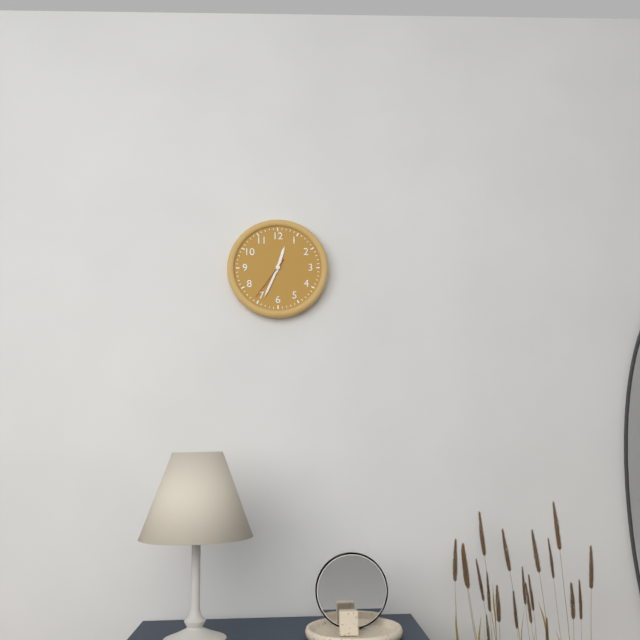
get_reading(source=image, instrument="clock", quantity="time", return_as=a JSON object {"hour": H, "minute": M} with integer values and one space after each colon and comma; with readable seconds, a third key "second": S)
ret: {"hour": 12, "minute": 34}
